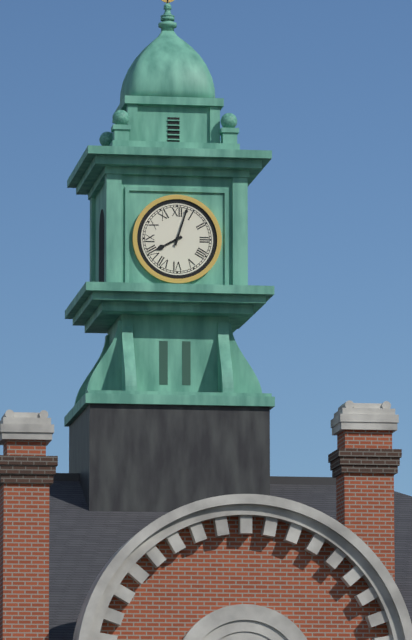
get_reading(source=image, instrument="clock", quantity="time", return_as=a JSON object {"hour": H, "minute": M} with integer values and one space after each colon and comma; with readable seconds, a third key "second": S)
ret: {"hour": 8, "minute": 3}
